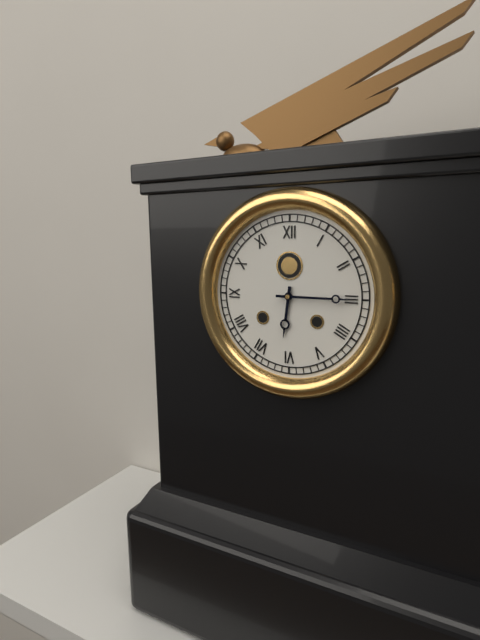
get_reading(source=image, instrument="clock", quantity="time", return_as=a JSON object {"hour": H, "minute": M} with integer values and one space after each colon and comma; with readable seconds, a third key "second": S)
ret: {"hour": 6, "minute": 15}
